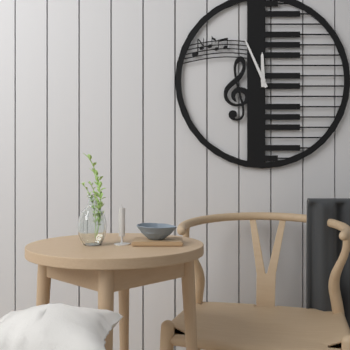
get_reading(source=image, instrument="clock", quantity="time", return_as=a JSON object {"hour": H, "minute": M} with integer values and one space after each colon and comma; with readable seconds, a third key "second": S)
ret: {"hour": 11, "minute": 56}
